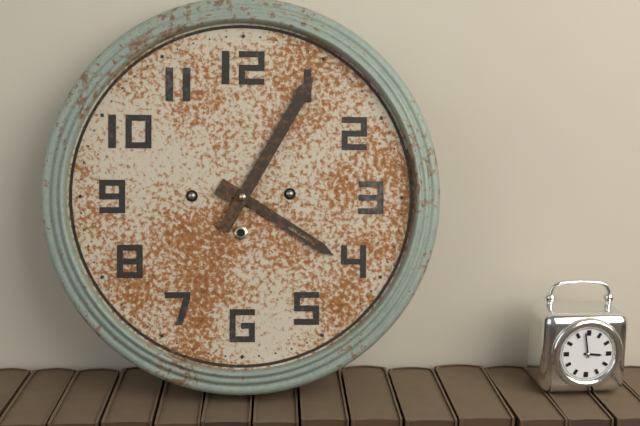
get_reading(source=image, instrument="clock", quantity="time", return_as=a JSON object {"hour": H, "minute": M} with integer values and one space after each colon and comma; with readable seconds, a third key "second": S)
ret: {"hour": 4, "minute": 5}
